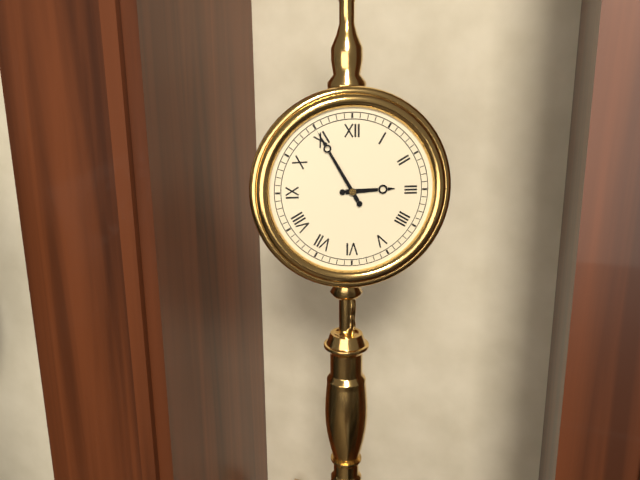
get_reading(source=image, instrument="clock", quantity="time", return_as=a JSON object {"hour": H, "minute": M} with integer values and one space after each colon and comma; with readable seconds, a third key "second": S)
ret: {"hour": 2, "minute": 55}
